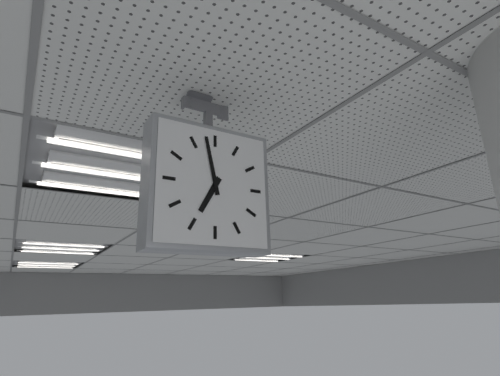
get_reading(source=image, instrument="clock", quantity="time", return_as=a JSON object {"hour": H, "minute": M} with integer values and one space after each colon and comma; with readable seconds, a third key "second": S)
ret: {"hour": 6, "minute": 58}
